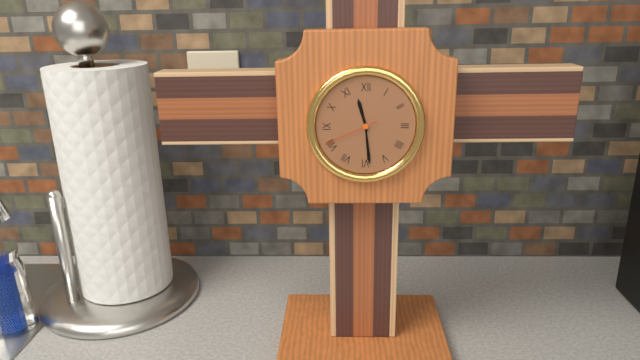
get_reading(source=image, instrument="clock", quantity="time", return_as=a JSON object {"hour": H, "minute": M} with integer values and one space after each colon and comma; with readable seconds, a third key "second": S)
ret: {"hour": 11, "minute": 29, "second": 41}
